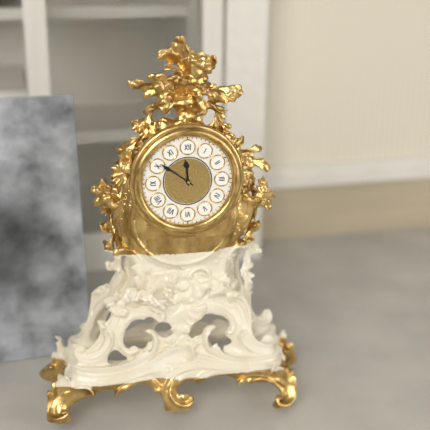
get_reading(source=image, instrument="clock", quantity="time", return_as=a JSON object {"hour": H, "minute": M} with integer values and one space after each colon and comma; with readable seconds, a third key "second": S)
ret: {"hour": 11, "minute": 51}
